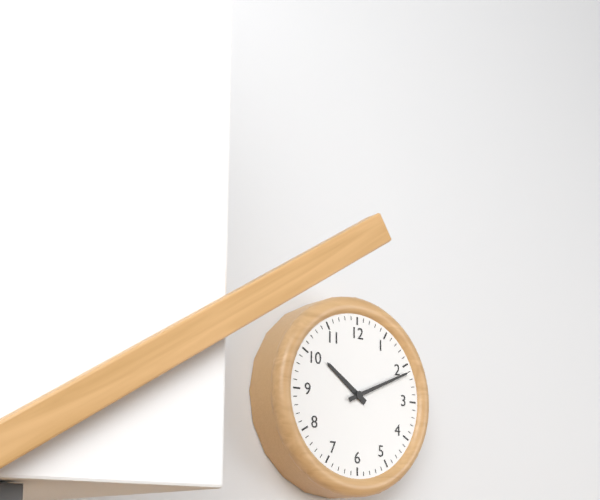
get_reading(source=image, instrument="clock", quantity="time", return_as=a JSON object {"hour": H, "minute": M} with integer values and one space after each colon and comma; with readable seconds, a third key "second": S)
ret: {"hour": 10, "minute": 11}
